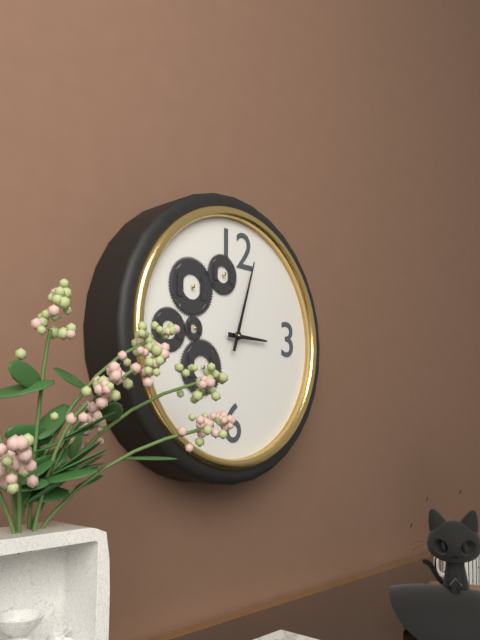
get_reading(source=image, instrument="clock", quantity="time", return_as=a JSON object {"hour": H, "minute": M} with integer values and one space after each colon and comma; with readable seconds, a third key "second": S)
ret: {"hour": 3, "minute": 3}
